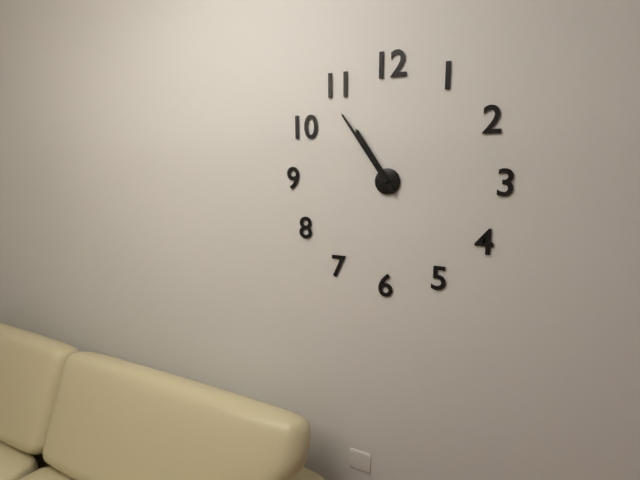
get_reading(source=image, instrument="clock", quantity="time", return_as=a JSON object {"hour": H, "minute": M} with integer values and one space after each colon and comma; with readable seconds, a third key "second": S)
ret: {"hour": 10, "minute": 54}
